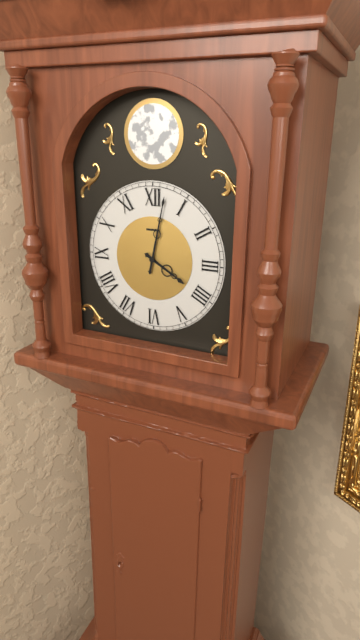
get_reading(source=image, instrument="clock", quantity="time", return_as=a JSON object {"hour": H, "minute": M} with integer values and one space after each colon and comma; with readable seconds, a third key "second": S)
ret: {"hour": 4, "minute": 2}
